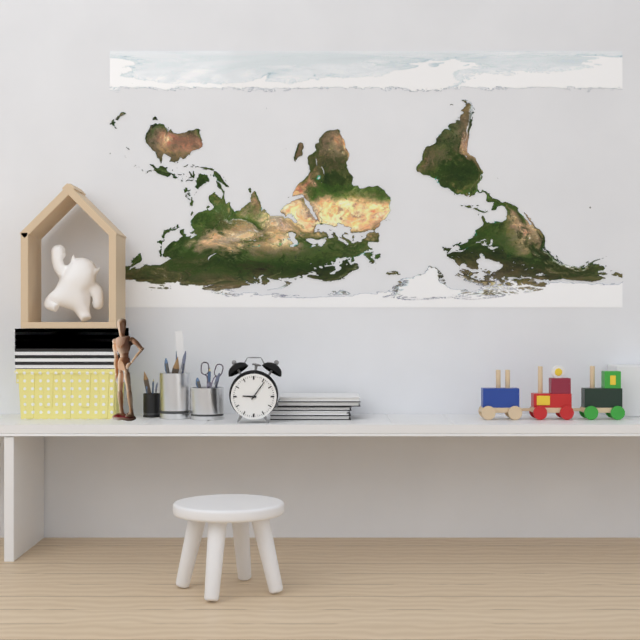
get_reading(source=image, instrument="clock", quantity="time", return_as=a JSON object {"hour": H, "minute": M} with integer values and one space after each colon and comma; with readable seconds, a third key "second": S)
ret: {"hour": 9, "minute": 6}
